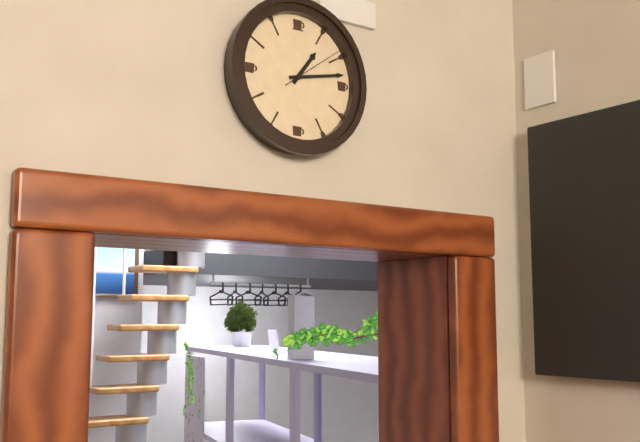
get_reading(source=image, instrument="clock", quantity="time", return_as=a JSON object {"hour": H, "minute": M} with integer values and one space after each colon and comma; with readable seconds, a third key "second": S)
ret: {"hour": 1, "minute": 13, "second": 9}
